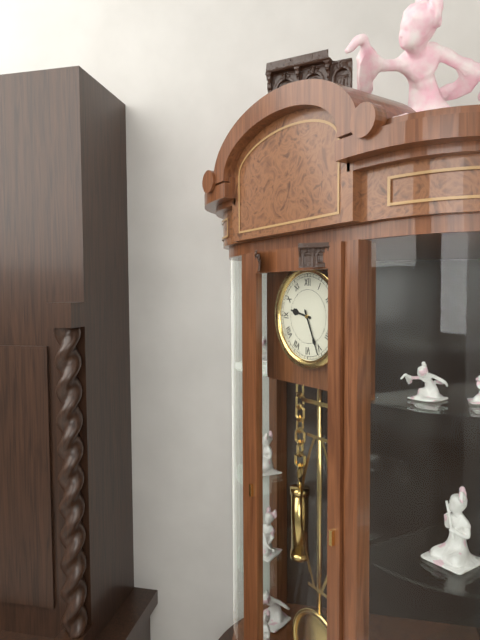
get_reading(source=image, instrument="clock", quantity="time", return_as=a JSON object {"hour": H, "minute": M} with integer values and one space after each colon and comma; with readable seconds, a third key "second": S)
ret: {"hour": 9, "minute": 26}
